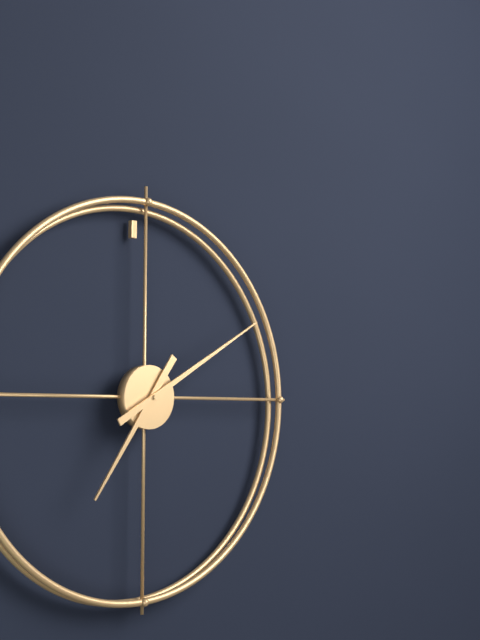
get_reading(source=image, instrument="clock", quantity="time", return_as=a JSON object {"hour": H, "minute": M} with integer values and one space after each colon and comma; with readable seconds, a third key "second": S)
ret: {"hour": 7, "minute": 10}
